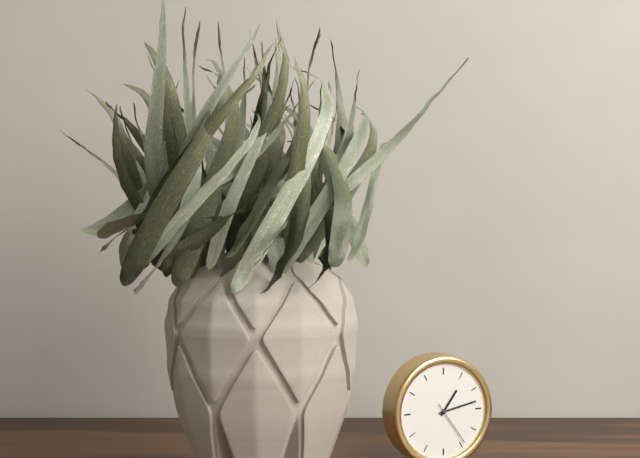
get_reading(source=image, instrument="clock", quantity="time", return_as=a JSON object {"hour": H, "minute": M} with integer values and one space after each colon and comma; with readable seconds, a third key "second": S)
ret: {"hour": 1, "minute": 13}
